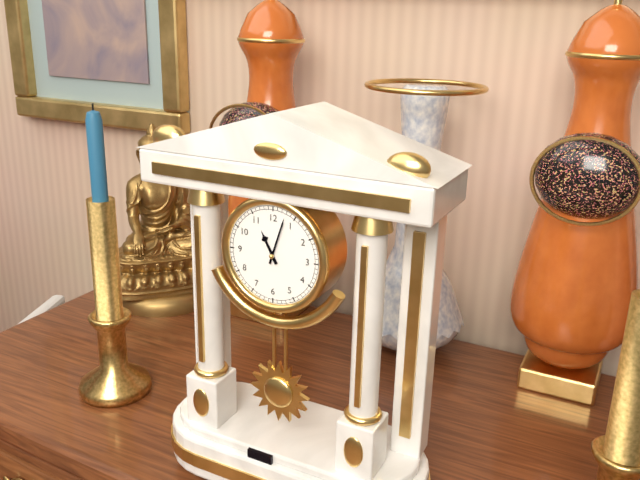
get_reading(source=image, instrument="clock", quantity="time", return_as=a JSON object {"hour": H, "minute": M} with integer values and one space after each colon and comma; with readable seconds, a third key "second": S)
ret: {"hour": 11, "minute": 3}
